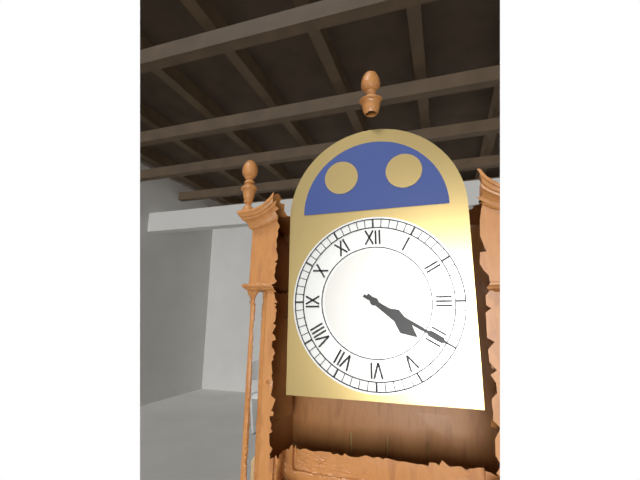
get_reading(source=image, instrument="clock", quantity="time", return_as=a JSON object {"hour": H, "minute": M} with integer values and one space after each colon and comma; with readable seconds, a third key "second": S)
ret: {"hour": 4, "minute": 20}
